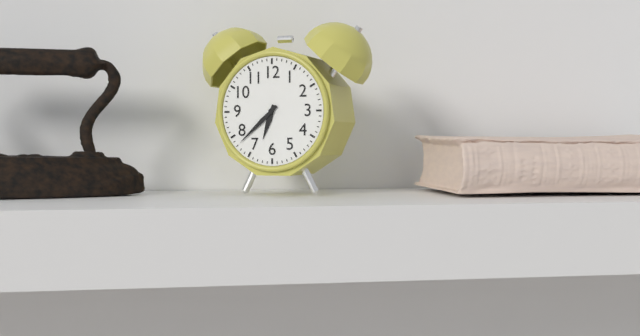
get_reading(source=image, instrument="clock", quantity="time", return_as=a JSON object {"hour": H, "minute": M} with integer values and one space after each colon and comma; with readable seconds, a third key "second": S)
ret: {"hour": 6, "minute": 38}
